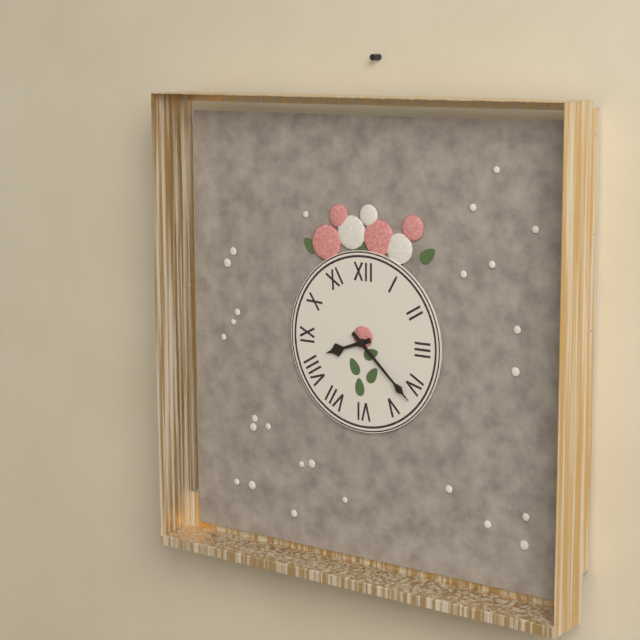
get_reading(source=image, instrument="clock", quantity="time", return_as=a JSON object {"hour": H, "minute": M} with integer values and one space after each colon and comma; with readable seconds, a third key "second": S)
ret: {"hour": 8, "minute": 22}
